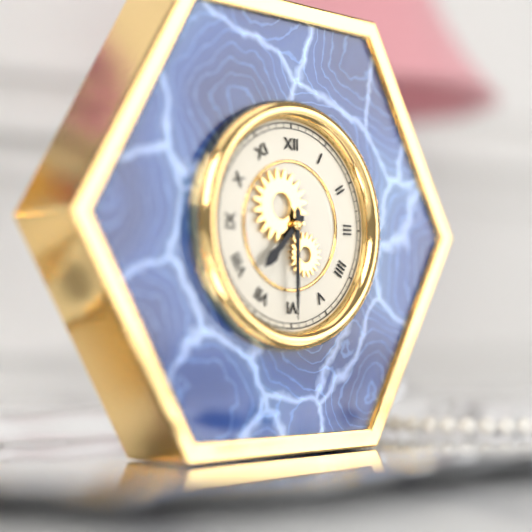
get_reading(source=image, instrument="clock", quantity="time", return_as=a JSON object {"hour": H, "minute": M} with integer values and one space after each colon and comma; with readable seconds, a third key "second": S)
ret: {"hour": 7, "minute": 30}
